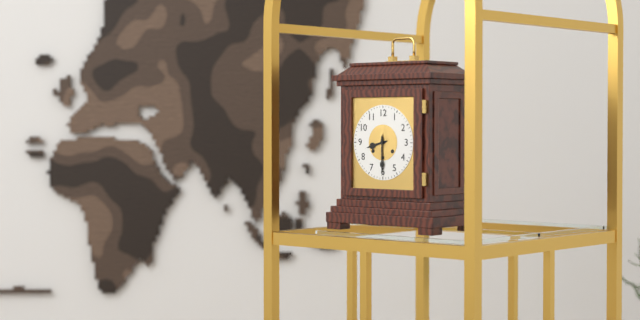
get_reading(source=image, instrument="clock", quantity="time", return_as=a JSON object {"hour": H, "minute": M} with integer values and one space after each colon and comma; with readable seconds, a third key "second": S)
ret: {"hour": 8, "minute": 30}
